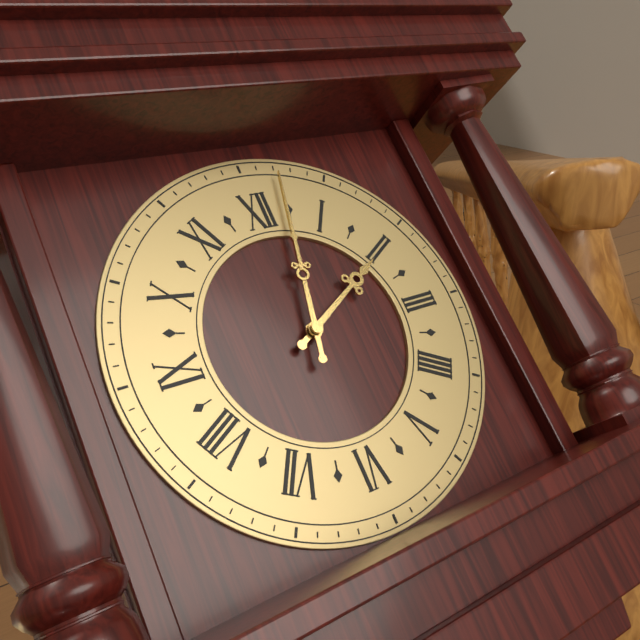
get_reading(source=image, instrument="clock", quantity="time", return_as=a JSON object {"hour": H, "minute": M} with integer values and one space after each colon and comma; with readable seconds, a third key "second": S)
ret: {"hour": 2, "minute": 2}
